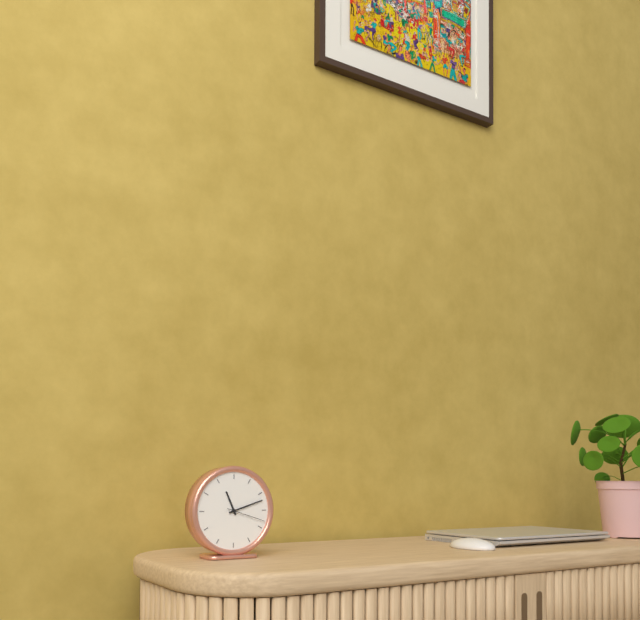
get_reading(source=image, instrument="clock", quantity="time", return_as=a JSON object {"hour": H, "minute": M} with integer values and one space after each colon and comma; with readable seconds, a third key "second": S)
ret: {"hour": 11, "minute": 12}
